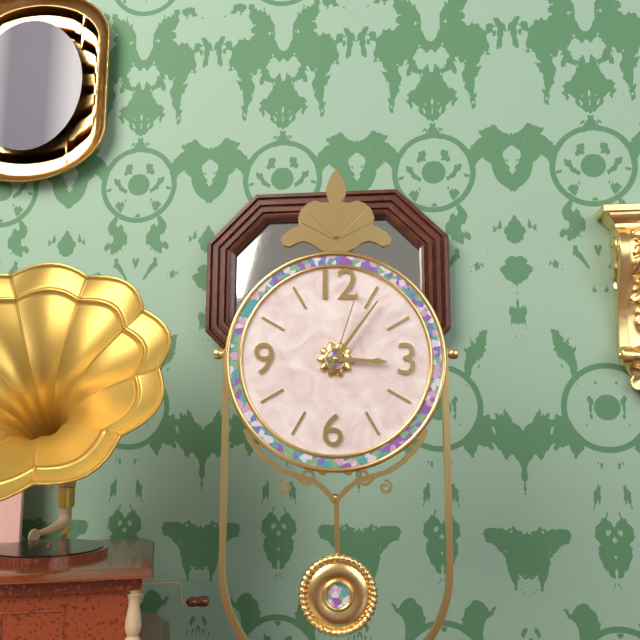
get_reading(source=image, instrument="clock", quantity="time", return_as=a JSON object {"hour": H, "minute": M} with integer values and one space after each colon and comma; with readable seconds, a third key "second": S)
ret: {"hour": 3, "minute": 6, "second": 3}
